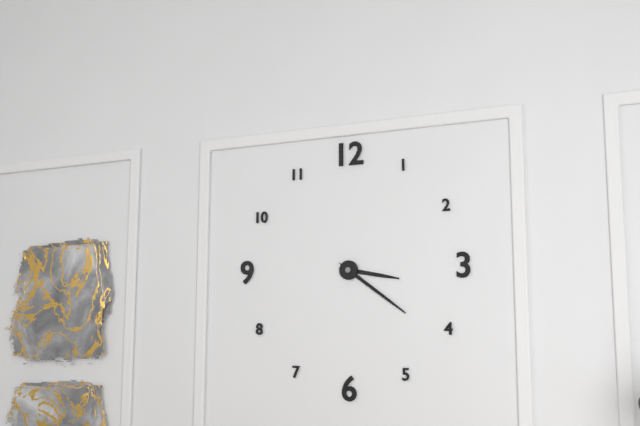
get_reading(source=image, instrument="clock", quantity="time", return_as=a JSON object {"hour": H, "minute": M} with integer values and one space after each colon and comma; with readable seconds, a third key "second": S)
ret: {"hour": 3, "minute": 21}
